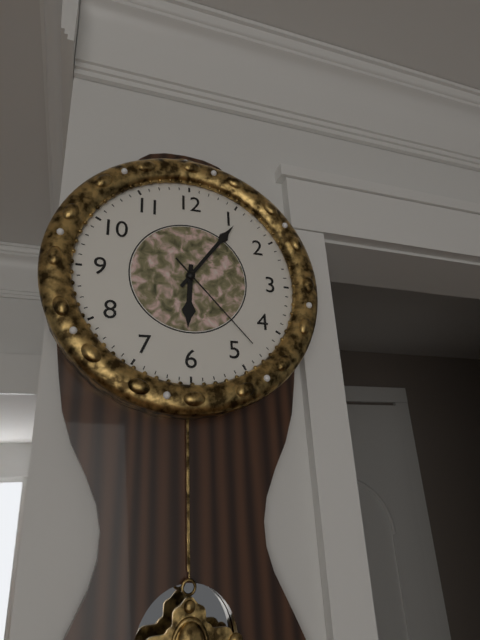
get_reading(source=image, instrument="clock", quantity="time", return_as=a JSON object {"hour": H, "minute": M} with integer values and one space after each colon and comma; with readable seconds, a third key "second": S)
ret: {"hour": 6, "minute": 6, "second": 23}
